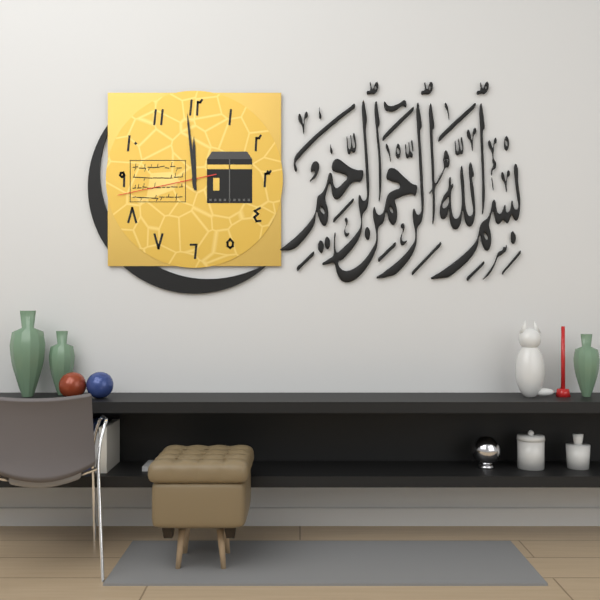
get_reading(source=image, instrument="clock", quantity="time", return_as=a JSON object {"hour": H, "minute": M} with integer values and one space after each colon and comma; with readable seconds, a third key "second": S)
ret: {"hour": 11, "minute": 59, "second": 43}
